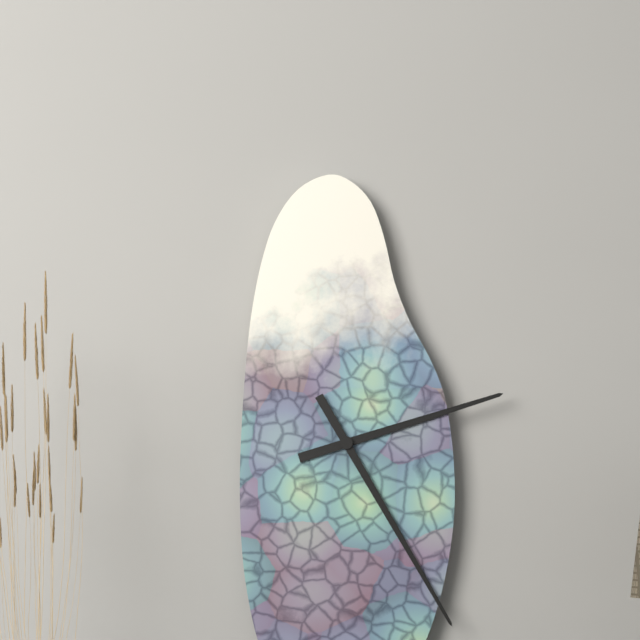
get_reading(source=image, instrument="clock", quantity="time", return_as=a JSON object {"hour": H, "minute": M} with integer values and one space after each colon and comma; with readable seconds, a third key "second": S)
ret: {"hour": 2, "minute": 25}
